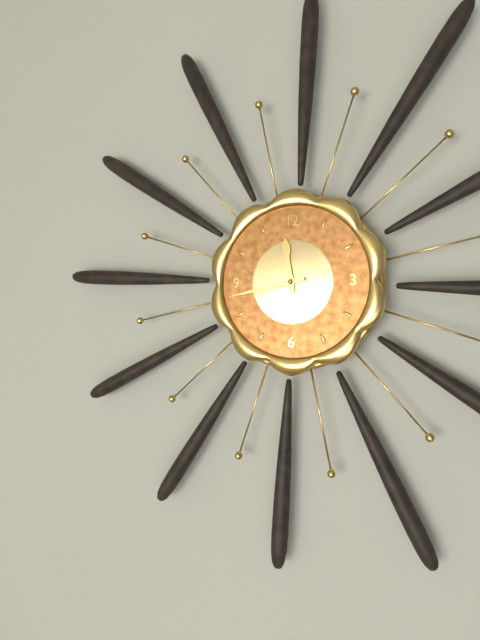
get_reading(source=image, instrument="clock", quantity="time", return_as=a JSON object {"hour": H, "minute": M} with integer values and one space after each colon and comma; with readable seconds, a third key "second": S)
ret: {"hour": 11, "minute": 43}
